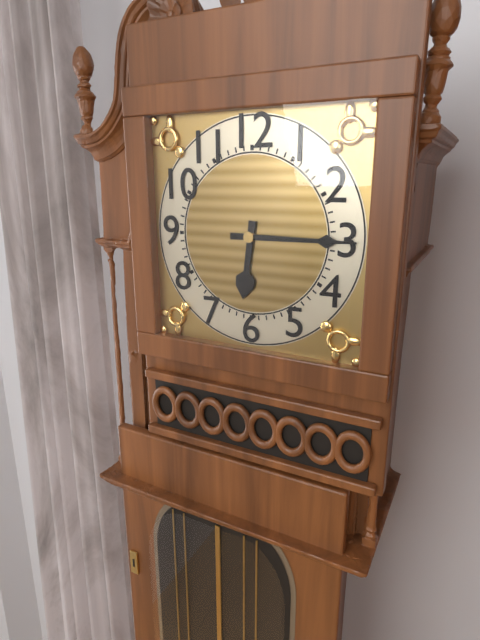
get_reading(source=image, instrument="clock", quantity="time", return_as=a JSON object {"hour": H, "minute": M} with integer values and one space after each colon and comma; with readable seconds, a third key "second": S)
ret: {"hour": 6, "minute": 15}
